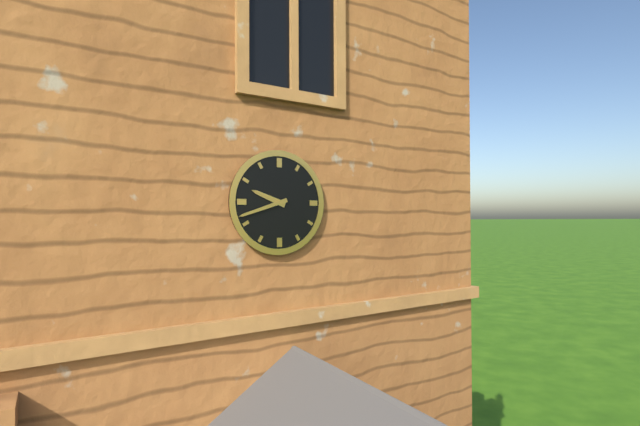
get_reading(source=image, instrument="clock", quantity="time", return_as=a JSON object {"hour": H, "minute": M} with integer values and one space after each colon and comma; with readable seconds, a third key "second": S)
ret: {"hour": 9, "minute": 42}
